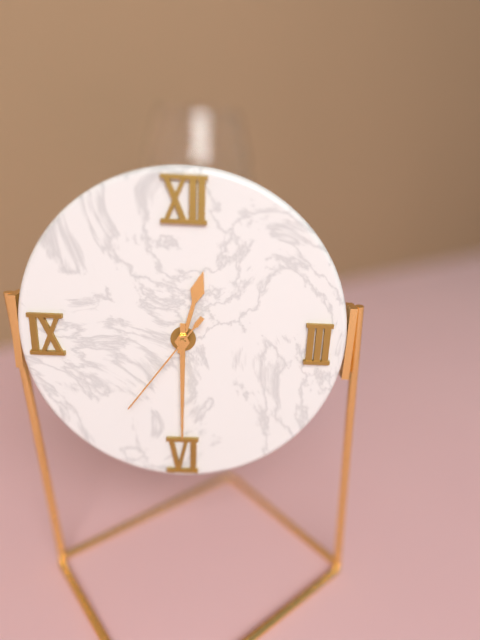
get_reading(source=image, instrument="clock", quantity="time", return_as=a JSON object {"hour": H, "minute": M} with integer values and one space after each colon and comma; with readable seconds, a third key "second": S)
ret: {"hour": 12, "minute": 30, "second": 36}
